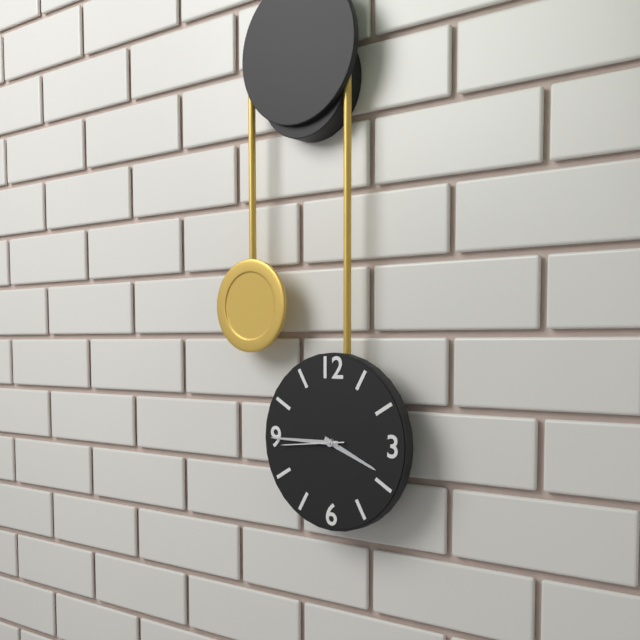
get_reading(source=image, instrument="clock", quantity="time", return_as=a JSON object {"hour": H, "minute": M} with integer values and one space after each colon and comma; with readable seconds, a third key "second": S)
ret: {"hour": 3, "minute": 45, "second": 44}
